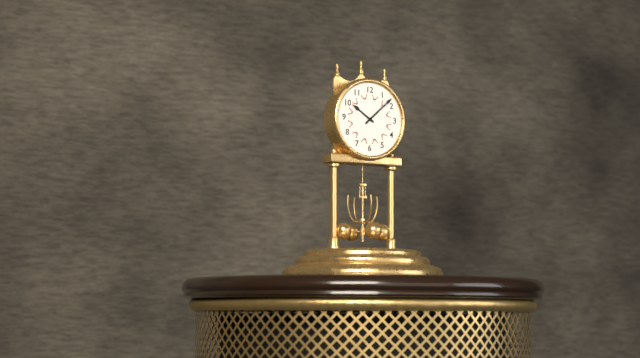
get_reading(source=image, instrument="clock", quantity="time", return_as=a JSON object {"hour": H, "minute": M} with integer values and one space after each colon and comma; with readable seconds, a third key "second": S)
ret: {"hour": 10, "minute": 8}
